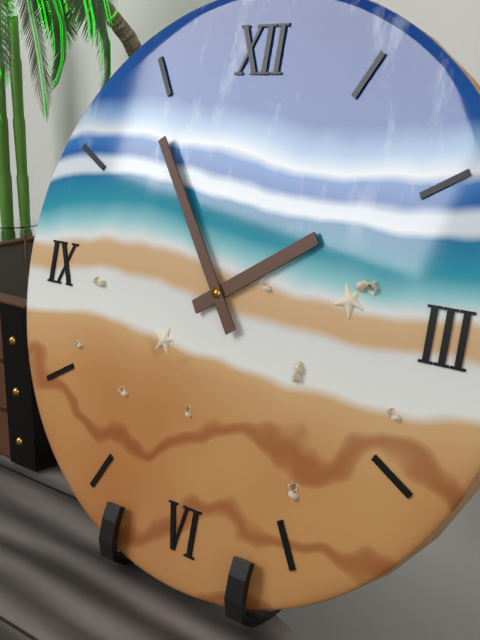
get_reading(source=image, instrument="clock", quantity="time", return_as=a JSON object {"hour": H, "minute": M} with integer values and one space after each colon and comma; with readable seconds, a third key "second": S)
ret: {"hour": 1, "minute": 54}
